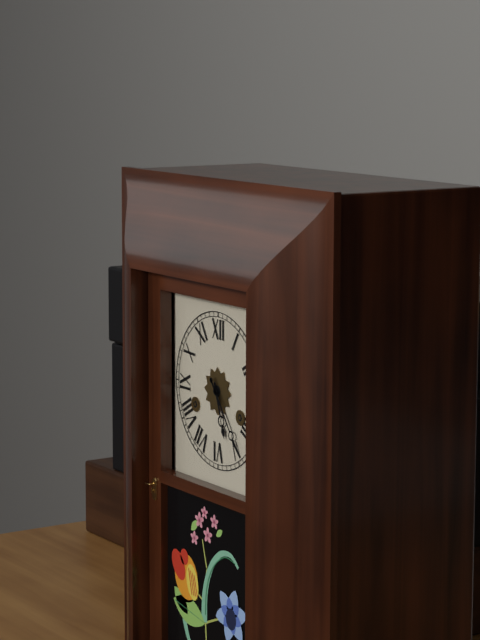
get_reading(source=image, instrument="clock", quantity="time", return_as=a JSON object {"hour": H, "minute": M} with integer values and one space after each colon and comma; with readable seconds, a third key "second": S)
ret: {"hour": 5, "minute": 24}
